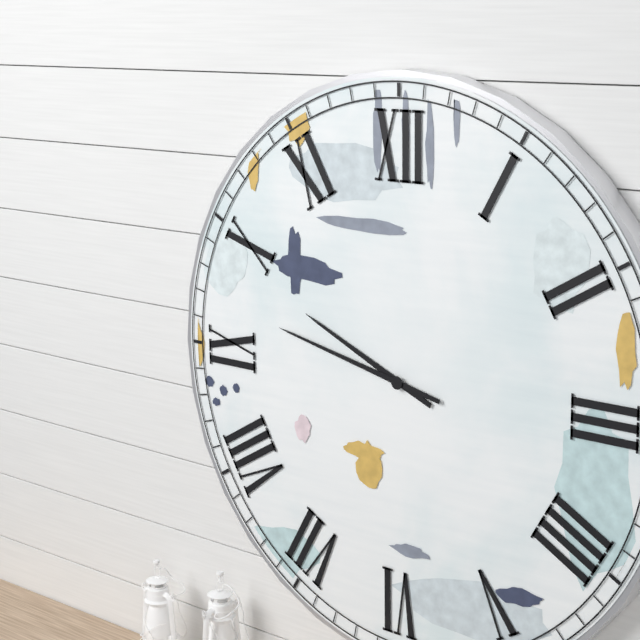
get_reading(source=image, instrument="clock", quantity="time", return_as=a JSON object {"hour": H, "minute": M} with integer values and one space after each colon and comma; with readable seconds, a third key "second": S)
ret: {"hour": 9, "minute": 47}
